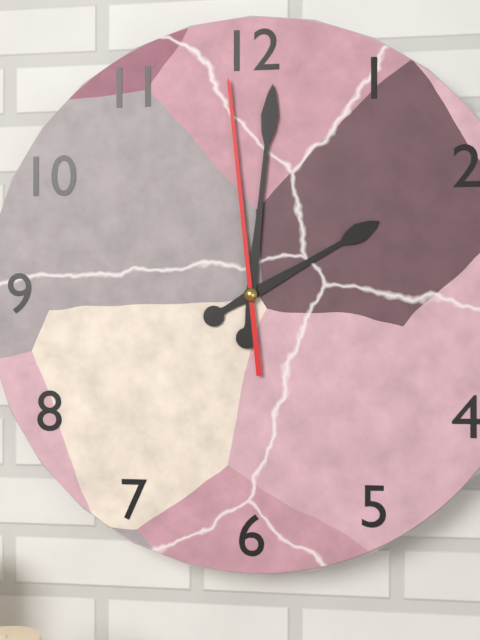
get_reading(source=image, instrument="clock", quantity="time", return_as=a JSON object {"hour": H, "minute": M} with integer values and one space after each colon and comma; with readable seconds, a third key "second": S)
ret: {"hour": 2, "minute": 1, "second": 59}
